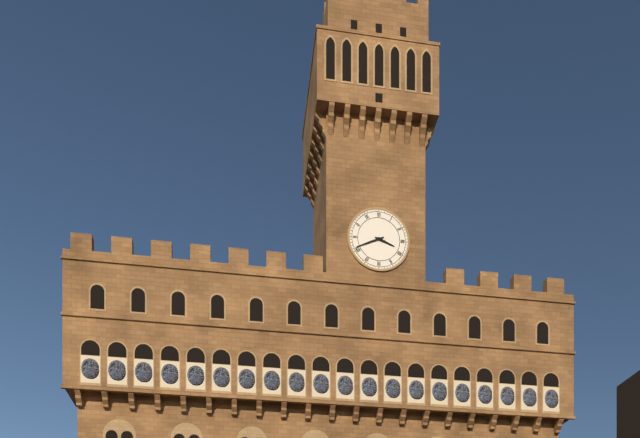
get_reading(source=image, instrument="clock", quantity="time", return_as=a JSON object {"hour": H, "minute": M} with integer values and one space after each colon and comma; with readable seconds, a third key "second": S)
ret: {"hour": 3, "minute": 41}
